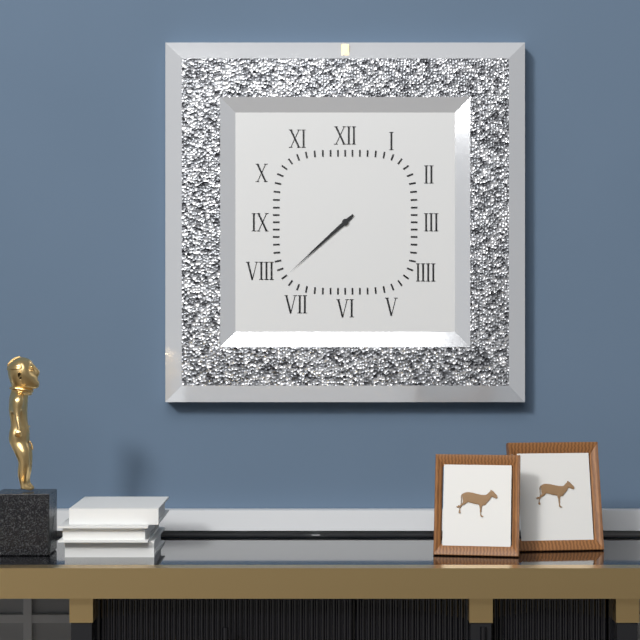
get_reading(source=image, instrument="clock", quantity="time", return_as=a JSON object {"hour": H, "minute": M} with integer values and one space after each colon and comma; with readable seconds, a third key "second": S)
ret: {"hour": 7, "minute": 38}
